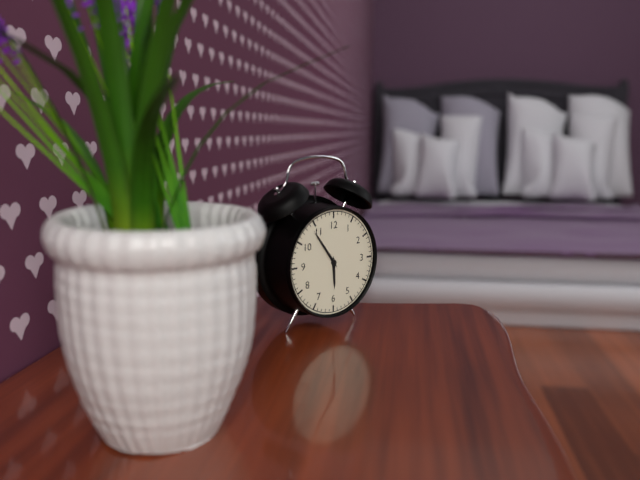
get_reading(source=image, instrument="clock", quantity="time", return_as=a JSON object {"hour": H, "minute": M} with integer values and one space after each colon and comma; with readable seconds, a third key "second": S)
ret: {"hour": 5, "minute": 54}
